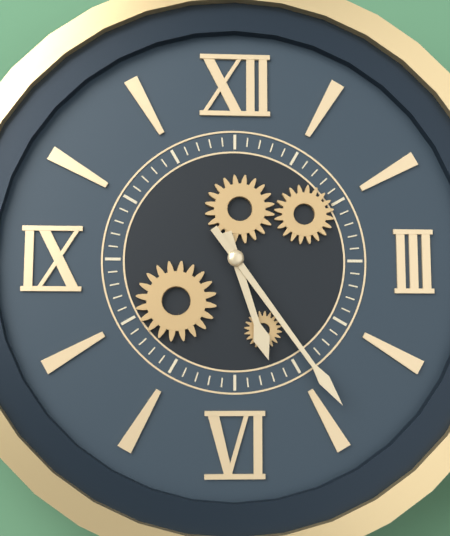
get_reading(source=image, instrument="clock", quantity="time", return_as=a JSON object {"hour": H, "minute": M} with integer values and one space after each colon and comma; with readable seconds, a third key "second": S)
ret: {"hour": 5, "minute": 24}
